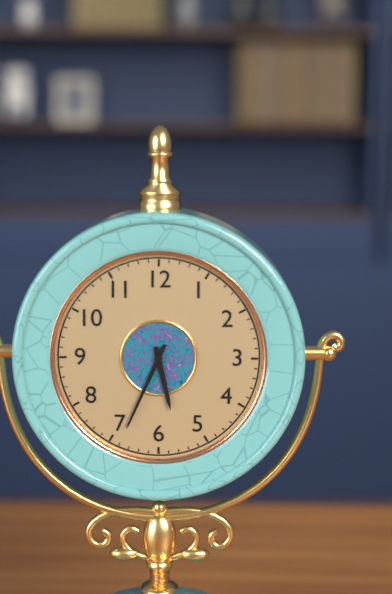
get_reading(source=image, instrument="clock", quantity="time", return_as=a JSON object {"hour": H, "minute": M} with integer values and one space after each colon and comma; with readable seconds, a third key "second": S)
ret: {"hour": 5, "minute": 34}
